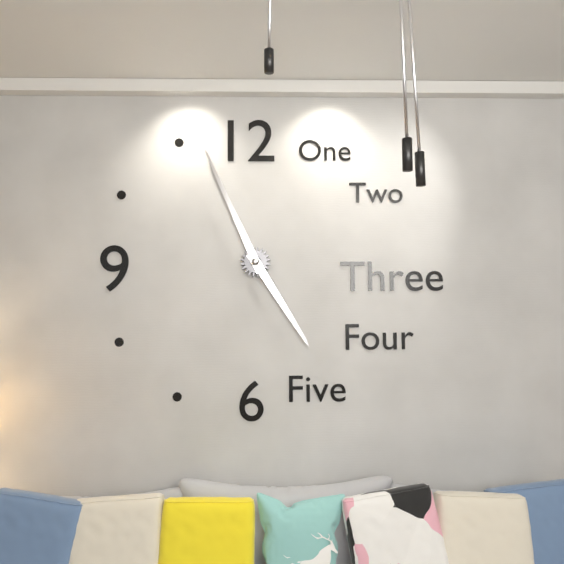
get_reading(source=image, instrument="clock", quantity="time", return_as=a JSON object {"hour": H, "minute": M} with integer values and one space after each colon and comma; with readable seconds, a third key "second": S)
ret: {"hour": 4, "minute": 56}
